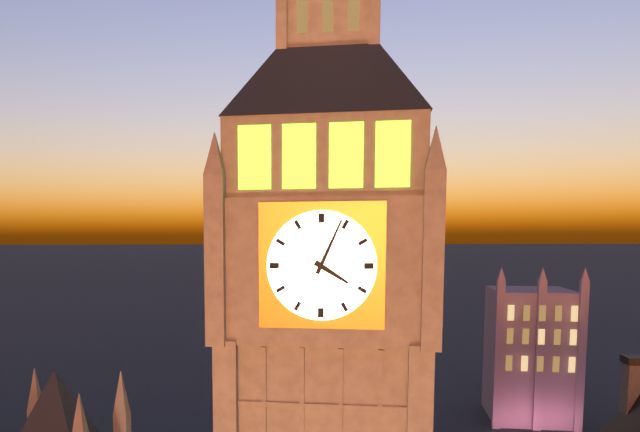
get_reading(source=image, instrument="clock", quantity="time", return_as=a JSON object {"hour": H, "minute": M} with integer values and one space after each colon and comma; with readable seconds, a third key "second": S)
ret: {"hour": 4, "minute": 4}
